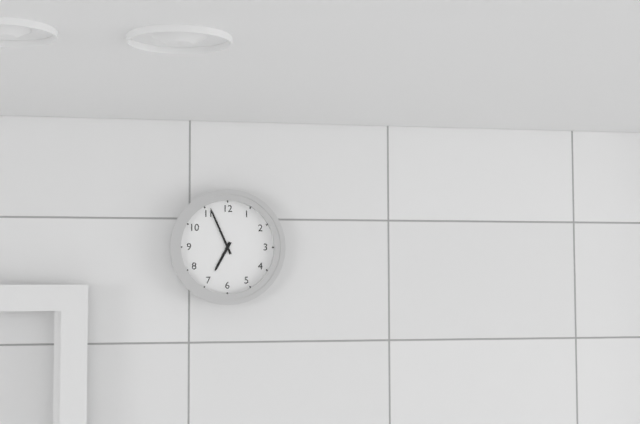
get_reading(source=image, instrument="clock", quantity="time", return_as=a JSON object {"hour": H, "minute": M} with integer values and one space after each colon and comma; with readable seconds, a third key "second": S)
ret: {"hour": 6, "minute": 56}
